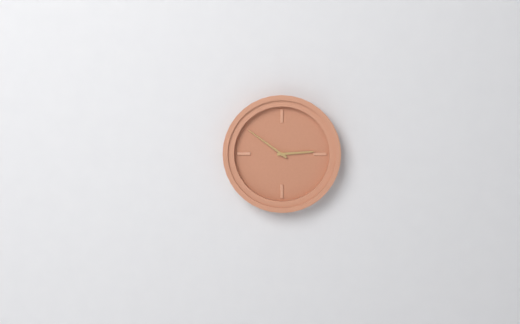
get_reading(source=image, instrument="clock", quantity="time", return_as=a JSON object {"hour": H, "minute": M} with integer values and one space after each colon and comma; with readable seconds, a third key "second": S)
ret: {"hour": 2, "minute": 51}
